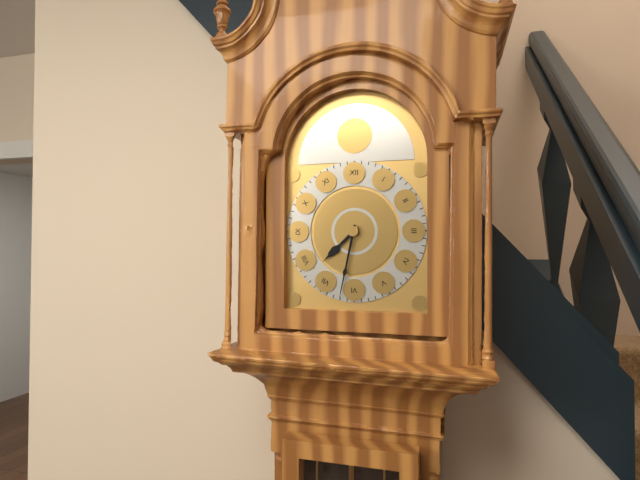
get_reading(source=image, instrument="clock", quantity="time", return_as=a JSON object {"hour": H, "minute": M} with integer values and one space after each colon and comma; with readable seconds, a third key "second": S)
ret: {"hour": 7, "minute": 32}
